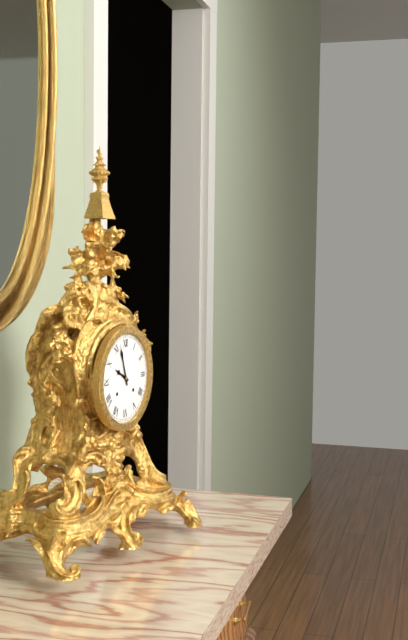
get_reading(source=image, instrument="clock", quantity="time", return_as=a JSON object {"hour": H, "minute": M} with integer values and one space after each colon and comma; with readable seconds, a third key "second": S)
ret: {"hour": 9, "minute": 57}
